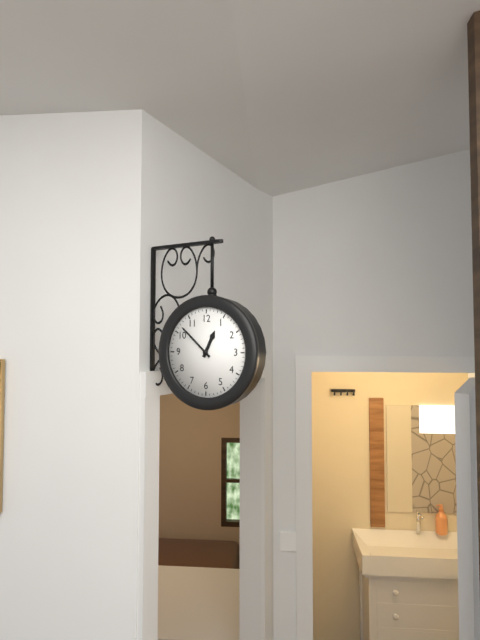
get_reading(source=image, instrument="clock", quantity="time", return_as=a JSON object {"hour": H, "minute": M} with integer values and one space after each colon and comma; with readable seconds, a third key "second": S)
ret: {"hour": 12, "minute": 52}
